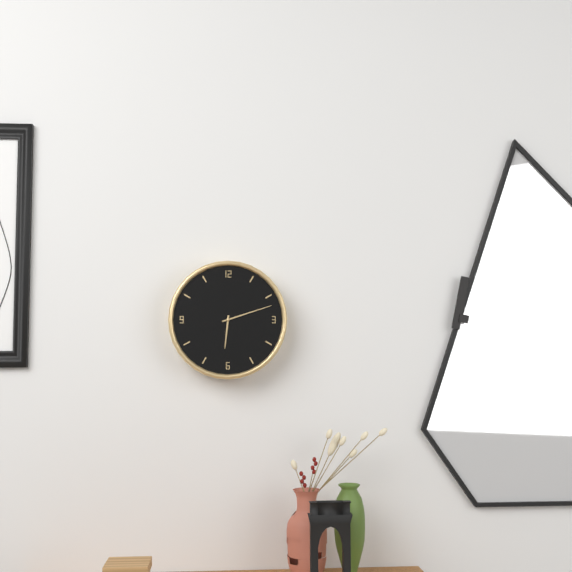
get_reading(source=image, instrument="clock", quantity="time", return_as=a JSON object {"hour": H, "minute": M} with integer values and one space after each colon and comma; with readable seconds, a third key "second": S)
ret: {"hour": 6, "minute": 12}
